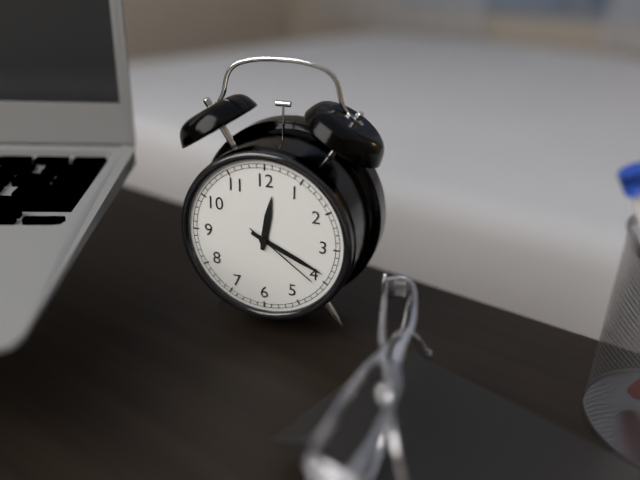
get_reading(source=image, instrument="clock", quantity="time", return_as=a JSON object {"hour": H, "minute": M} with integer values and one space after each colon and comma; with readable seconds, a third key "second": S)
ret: {"hour": 12, "minute": 19, "second": 21}
